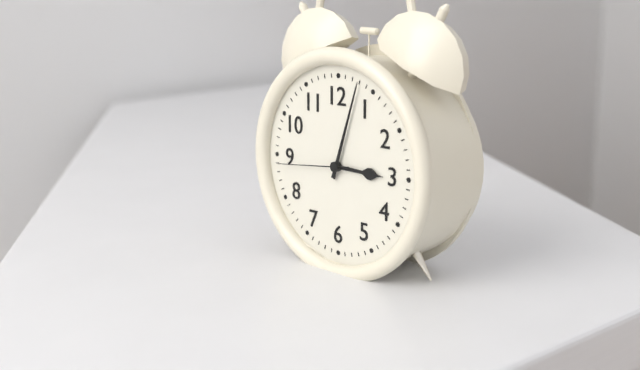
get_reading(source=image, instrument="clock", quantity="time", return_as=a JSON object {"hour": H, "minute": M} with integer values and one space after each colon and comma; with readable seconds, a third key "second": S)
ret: {"hour": 3, "minute": 3, "second": 44}
